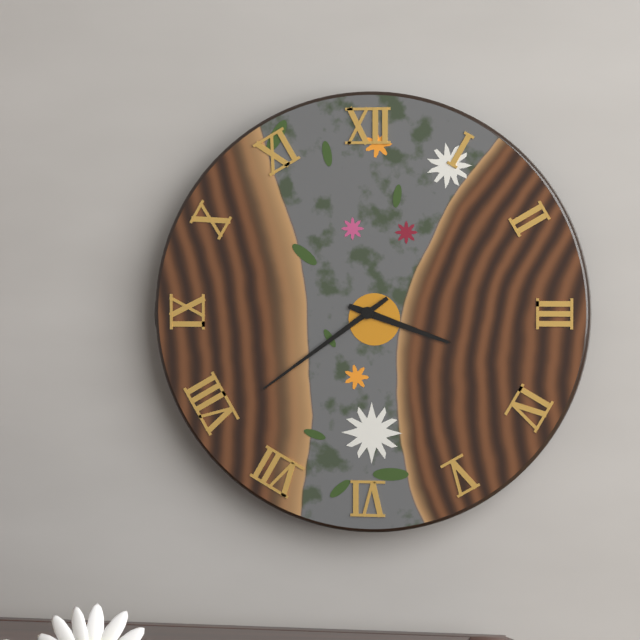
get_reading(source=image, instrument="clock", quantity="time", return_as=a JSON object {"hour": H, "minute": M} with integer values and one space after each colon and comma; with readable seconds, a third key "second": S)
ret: {"hour": 3, "minute": 39}
